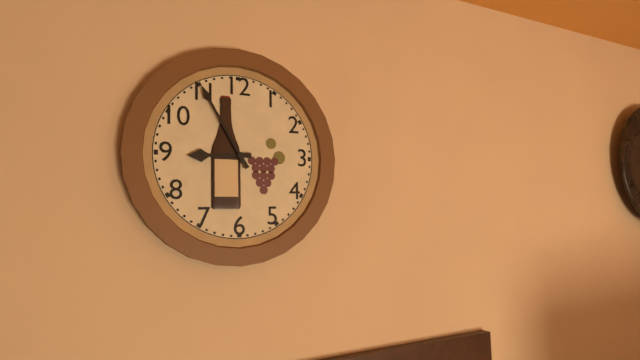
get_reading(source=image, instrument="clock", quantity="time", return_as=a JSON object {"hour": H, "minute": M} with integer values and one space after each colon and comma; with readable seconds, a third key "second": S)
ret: {"hour": 8, "minute": 55}
